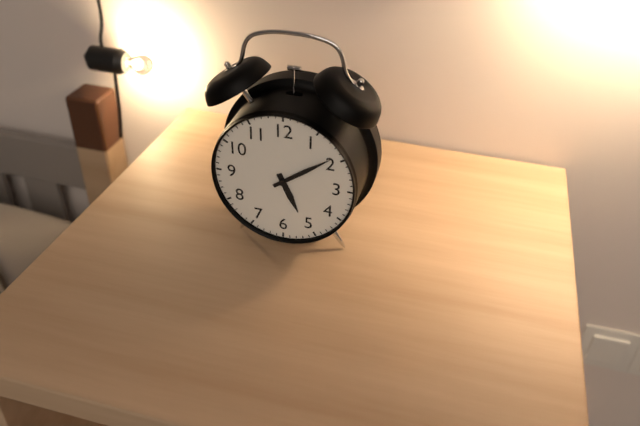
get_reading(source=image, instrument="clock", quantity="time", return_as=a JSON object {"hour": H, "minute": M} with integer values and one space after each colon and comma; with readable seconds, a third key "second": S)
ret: {"hour": 5, "minute": 9}
